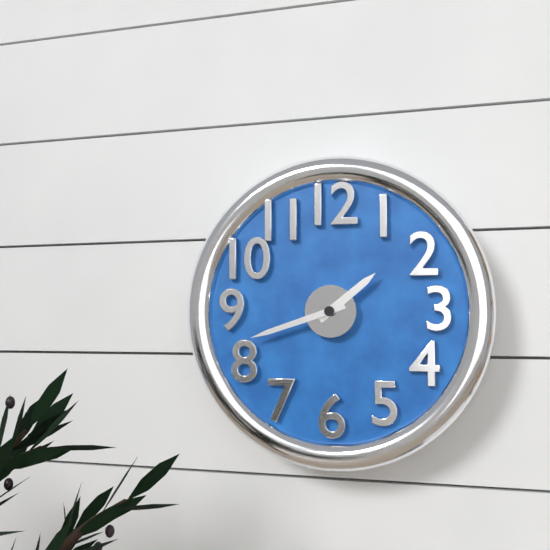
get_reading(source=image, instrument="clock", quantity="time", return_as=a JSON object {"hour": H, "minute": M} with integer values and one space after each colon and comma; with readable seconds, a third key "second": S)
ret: {"hour": 1, "minute": 42}
